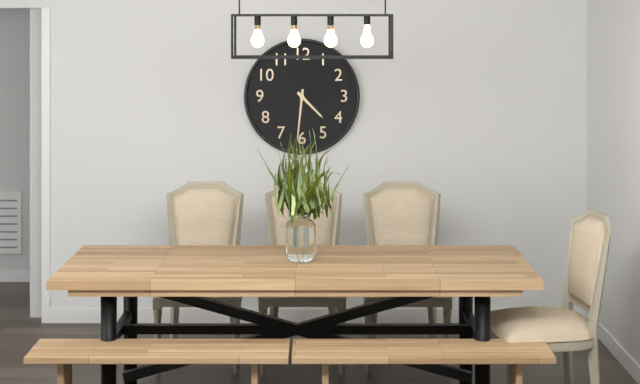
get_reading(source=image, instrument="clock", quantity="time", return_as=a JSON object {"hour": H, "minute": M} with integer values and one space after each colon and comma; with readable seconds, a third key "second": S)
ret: {"hour": 4, "minute": 31}
